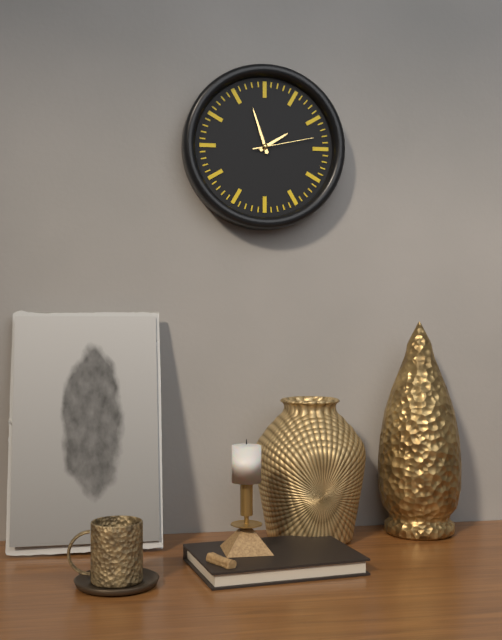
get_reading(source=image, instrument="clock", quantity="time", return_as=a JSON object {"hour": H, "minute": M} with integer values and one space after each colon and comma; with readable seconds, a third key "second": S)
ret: {"hour": 1, "minute": 57, "second": 13}
